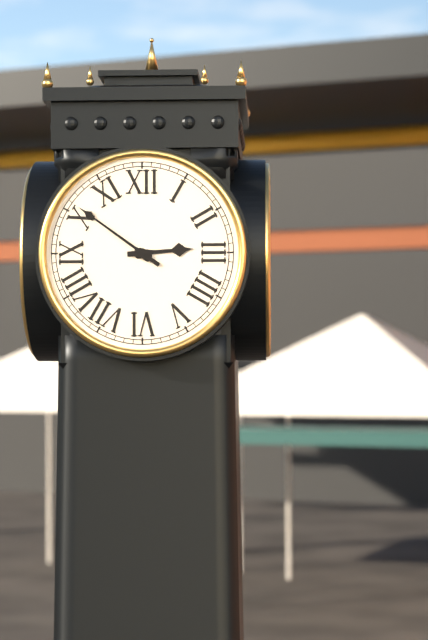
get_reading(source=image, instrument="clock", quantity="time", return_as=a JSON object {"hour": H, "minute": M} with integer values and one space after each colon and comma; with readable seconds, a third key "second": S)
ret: {"hour": 2, "minute": 51}
